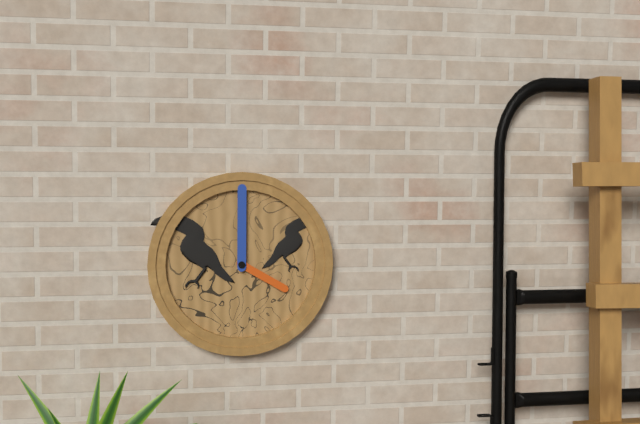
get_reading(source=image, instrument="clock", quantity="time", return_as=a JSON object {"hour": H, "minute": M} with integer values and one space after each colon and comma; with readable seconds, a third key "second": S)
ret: {"hour": 4, "minute": 0}
